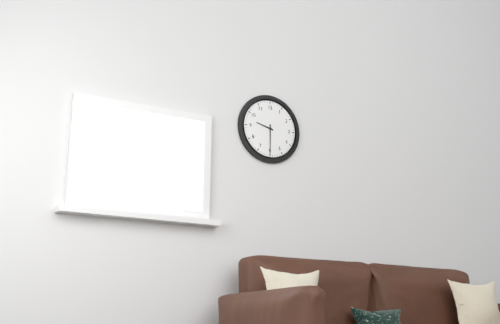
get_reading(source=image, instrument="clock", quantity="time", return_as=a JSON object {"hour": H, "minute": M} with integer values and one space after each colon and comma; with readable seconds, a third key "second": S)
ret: {"hour": 9, "minute": 30}
